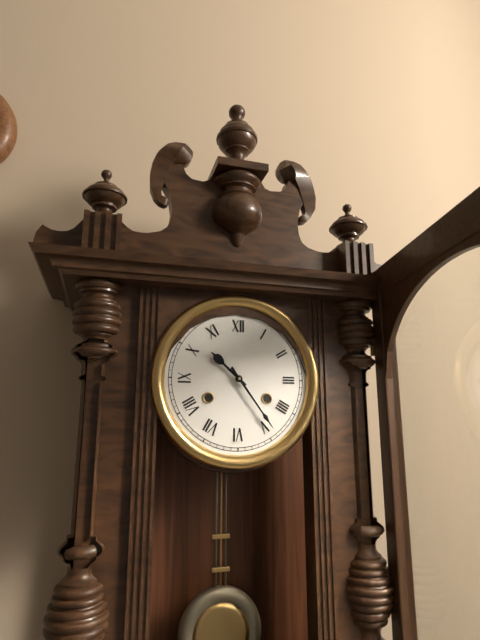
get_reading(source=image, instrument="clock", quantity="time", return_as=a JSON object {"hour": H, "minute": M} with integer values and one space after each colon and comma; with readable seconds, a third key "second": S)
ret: {"hour": 10, "minute": 24}
